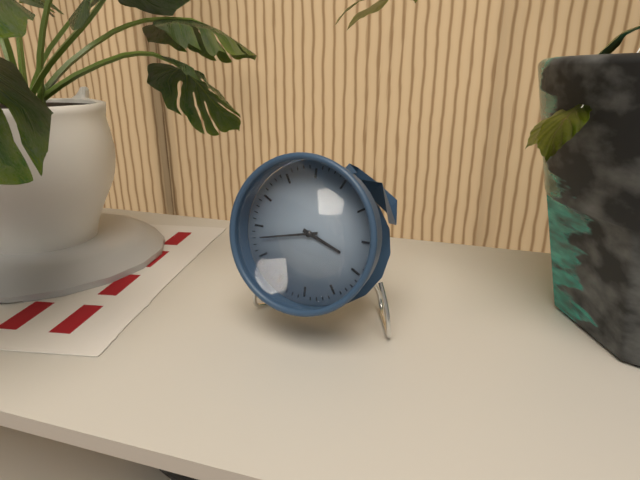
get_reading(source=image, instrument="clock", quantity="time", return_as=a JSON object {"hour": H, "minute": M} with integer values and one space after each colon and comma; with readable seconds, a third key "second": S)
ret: {"hour": 3, "minute": 43}
